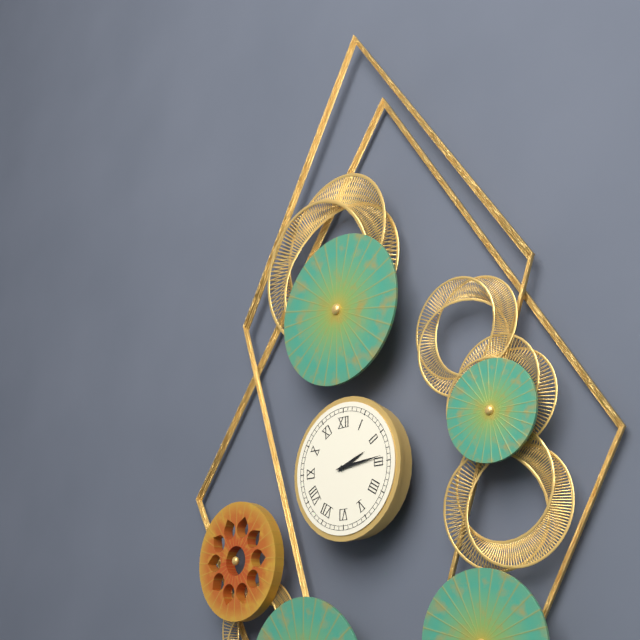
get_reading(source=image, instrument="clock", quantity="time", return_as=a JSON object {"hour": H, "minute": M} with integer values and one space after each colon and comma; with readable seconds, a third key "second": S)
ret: {"hour": 2, "minute": 14}
